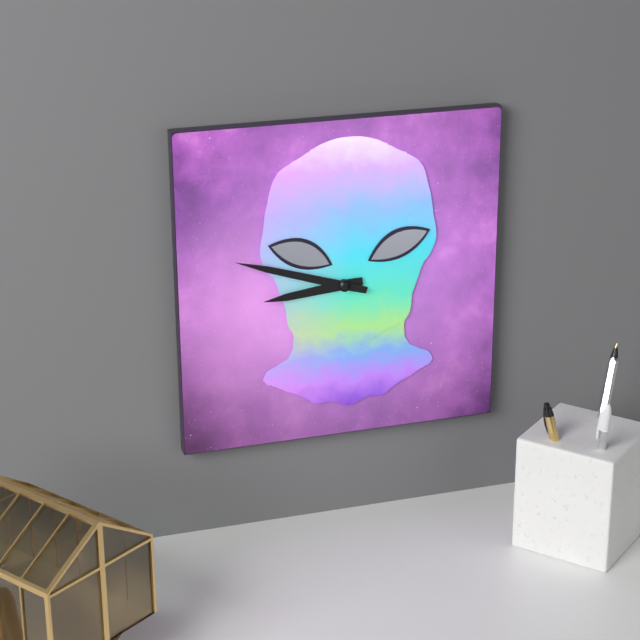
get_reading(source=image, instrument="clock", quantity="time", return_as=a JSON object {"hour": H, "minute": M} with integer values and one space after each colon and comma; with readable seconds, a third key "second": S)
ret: {"hour": 8, "minute": 48}
